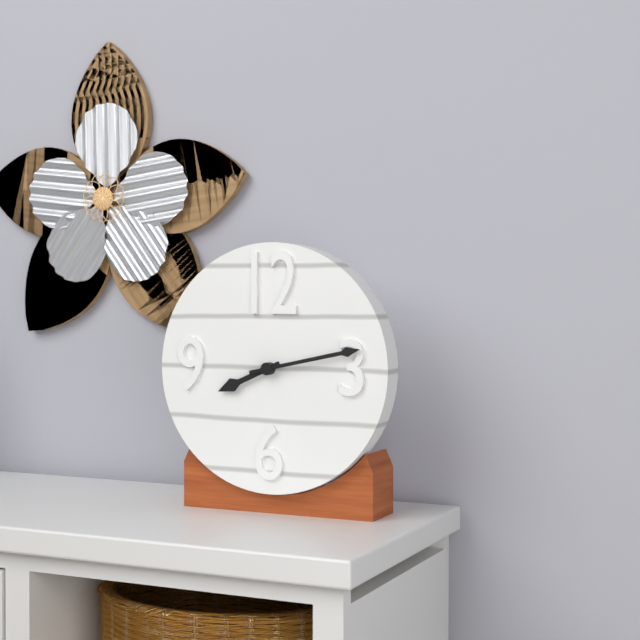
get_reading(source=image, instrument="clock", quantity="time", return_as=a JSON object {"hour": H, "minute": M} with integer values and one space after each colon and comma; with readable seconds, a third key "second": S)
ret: {"hour": 8, "minute": 13}
